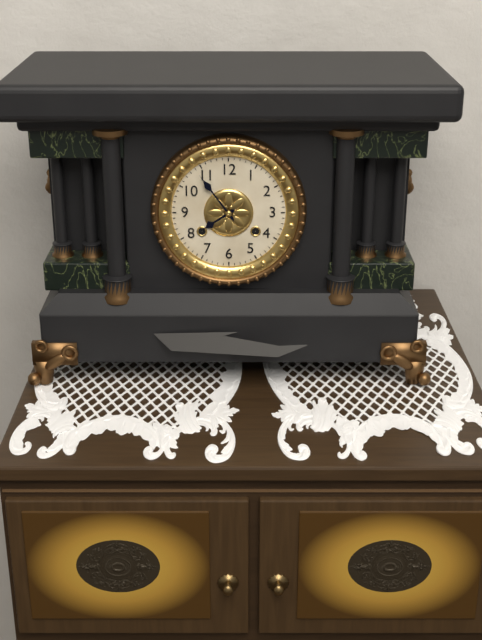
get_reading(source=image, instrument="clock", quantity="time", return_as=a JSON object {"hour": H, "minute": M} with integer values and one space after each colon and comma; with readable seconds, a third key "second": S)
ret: {"hour": 7, "minute": 54}
